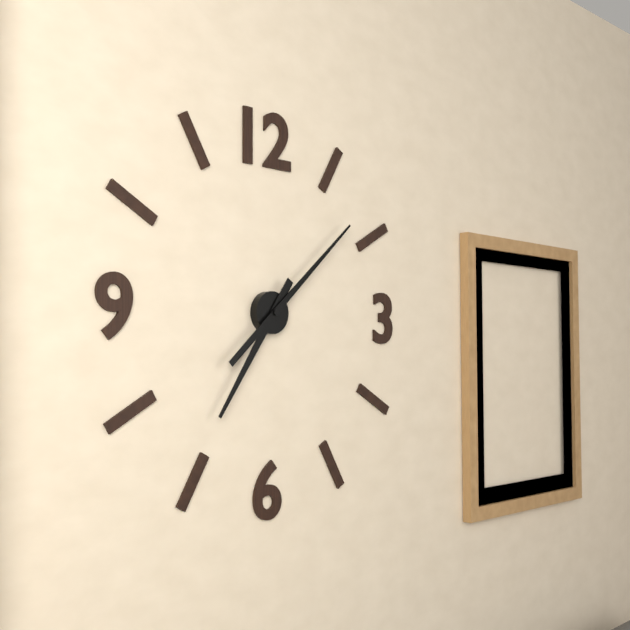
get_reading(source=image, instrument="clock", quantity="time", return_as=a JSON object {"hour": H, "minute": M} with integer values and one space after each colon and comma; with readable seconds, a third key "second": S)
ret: {"hour": 7, "minute": 8}
